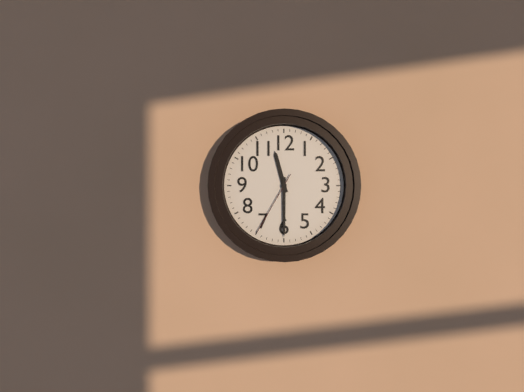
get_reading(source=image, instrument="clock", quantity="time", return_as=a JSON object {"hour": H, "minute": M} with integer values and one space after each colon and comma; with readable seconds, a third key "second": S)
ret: {"hour": 11, "minute": 30, "second": 35}
